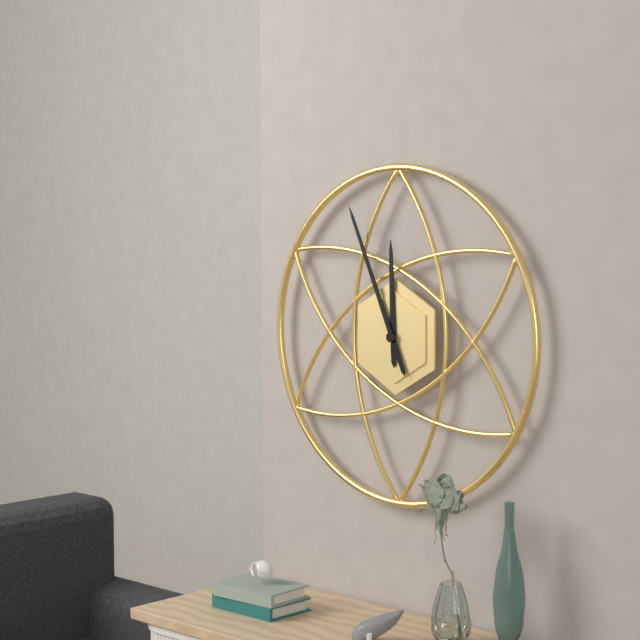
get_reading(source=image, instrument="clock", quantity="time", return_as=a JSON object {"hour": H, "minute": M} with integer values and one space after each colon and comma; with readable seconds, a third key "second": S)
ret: {"hour": 11, "minute": 56}
